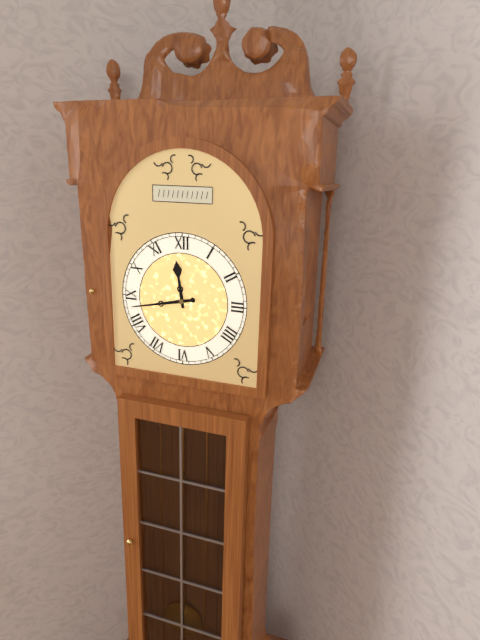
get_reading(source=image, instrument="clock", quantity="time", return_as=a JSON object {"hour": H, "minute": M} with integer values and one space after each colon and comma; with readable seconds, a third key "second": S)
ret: {"hour": 11, "minute": 43}
